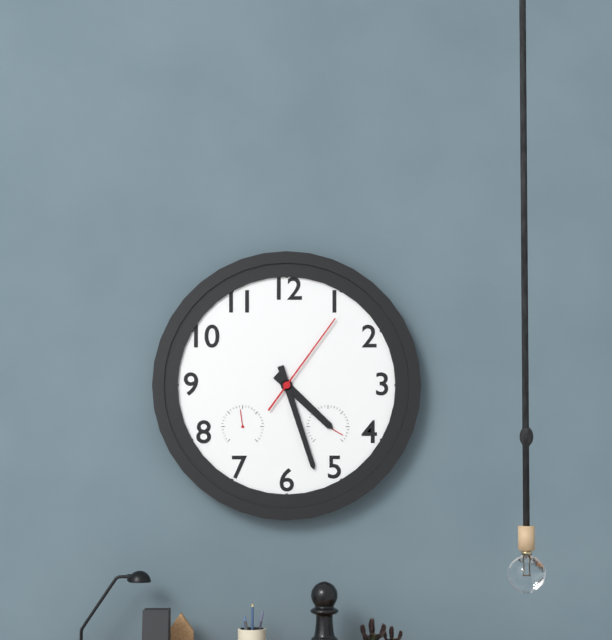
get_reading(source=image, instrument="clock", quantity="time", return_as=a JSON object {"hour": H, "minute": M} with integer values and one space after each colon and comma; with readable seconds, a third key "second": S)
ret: {"hour": 4, "minute": 27, "second": 6}
